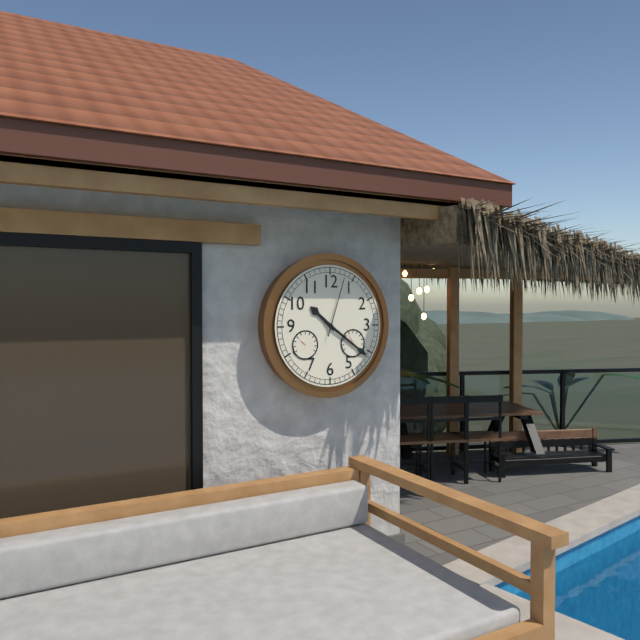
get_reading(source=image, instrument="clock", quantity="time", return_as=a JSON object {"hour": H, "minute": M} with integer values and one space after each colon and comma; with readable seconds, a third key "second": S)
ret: {"hour": 10, "minute": 21, "second": 3}
